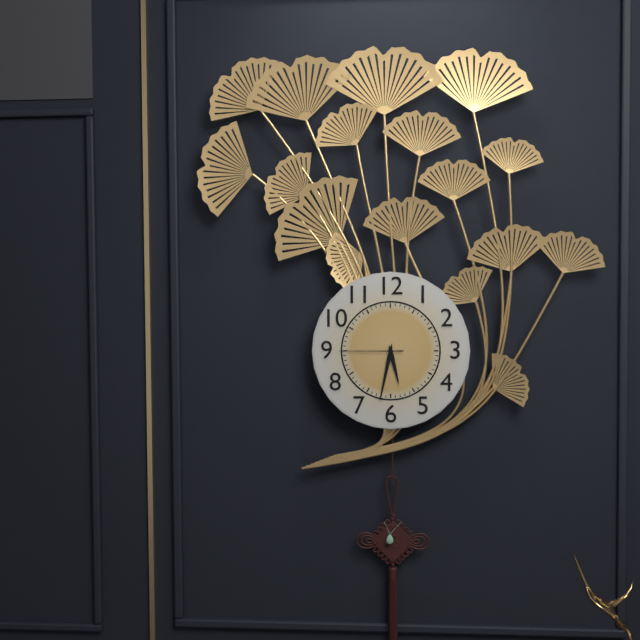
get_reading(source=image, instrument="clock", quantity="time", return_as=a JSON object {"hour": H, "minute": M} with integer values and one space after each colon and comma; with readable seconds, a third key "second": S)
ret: {"hour": 5, "minute": 32, "second": 45}
